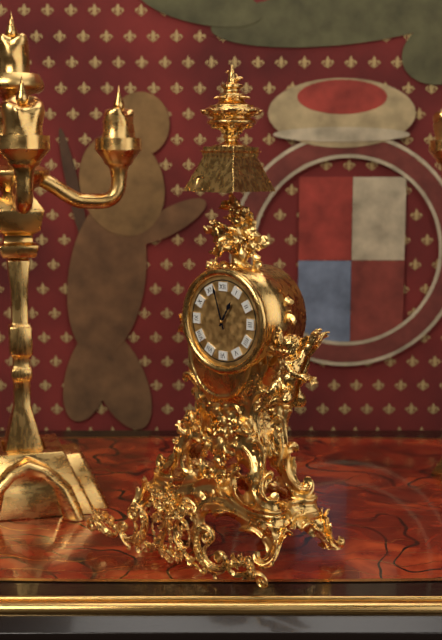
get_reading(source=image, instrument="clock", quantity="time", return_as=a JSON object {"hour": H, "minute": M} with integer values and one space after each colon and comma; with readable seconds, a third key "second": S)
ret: {"hour": 12, "minute": 57}
